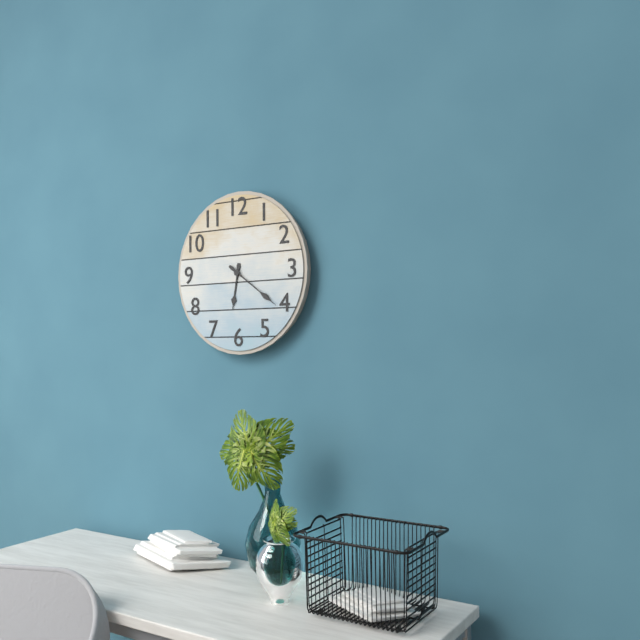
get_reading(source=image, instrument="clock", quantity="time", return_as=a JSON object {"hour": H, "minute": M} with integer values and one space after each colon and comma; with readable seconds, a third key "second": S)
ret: {"hour": 6, "minute": 21}
